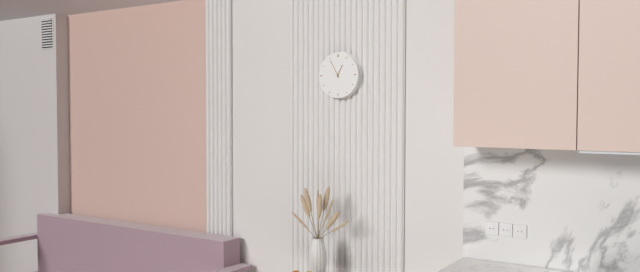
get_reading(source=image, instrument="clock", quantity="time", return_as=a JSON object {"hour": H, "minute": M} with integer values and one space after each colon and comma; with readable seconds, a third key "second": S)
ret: {"hour": 12, "minute": 55}
